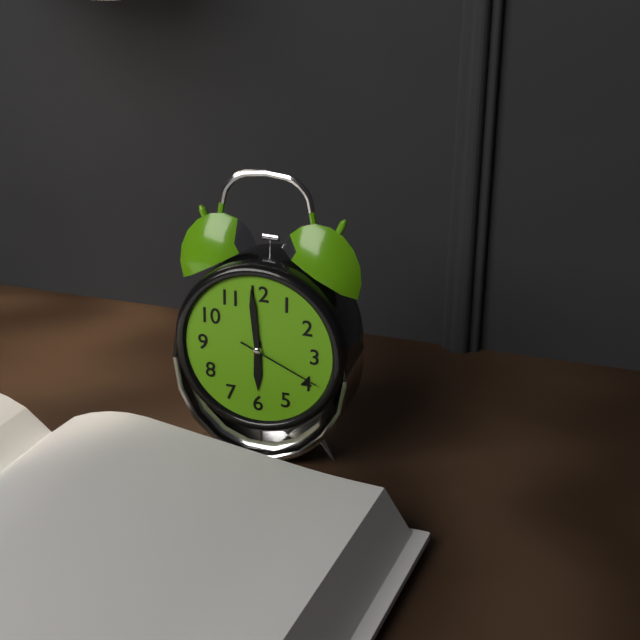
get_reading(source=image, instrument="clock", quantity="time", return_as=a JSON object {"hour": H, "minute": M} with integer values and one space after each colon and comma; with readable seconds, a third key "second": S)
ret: {"hour": 5, "minute": 59, "second": 19}
